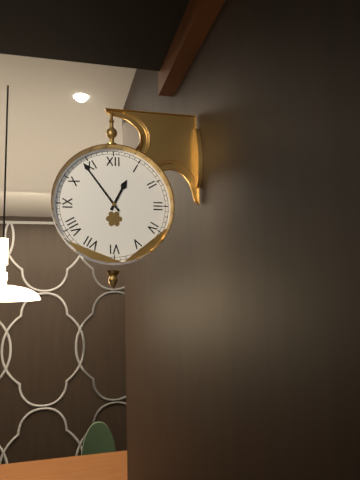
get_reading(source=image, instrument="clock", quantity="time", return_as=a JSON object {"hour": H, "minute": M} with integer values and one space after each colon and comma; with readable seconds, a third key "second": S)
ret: {"hour": 12, "minute": 54}
